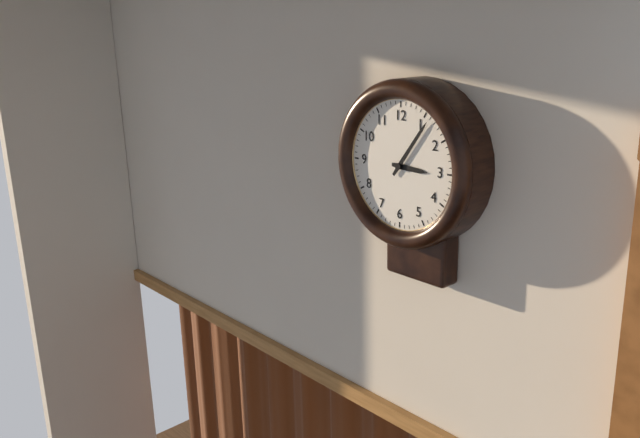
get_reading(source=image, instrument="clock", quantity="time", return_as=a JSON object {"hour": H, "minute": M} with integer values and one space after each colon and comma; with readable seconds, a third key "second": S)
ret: {"hour": 3, "minute": 6}
